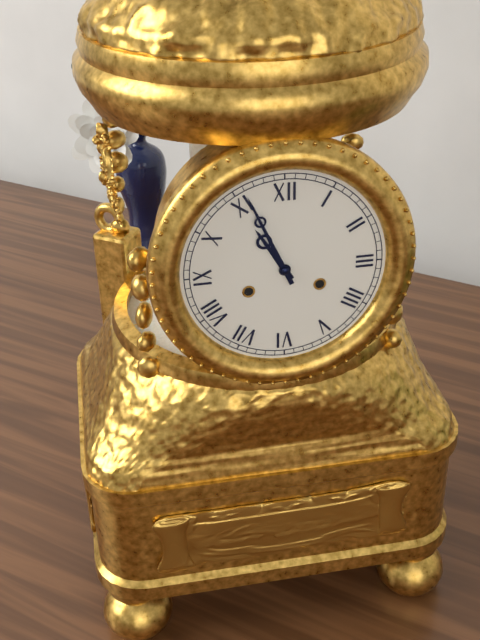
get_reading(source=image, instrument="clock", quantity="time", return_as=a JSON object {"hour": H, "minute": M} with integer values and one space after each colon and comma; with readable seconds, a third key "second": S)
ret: {"hour": 10, "minute": 56}
